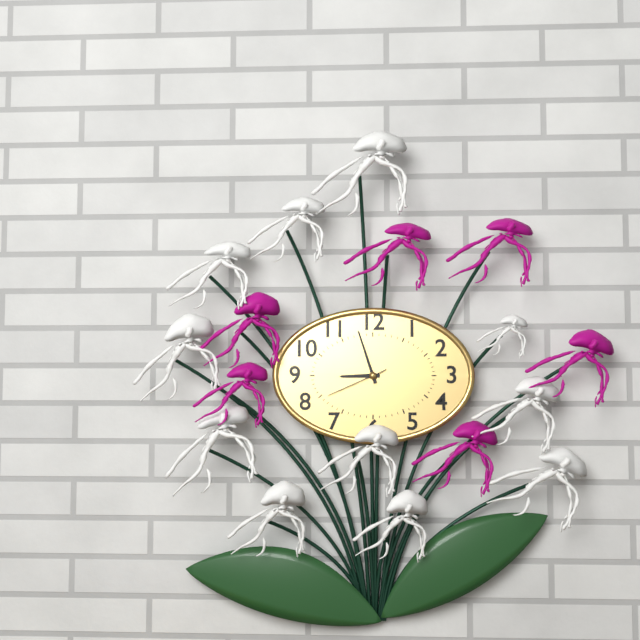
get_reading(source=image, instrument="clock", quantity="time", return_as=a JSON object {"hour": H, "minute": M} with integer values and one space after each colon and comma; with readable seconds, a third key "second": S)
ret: {"hour": 8, "minute": 57, "second": 41}
